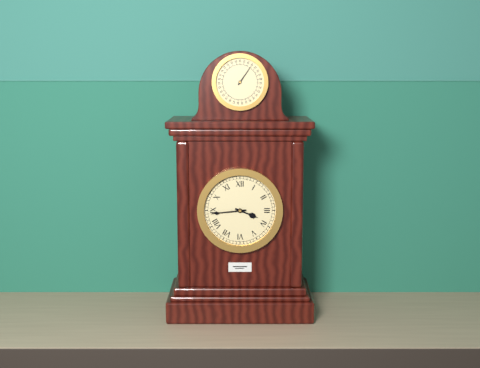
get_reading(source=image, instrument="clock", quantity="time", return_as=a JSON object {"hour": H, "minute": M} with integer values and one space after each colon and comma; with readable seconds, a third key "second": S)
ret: {"hour": 3, "minute": 44}
